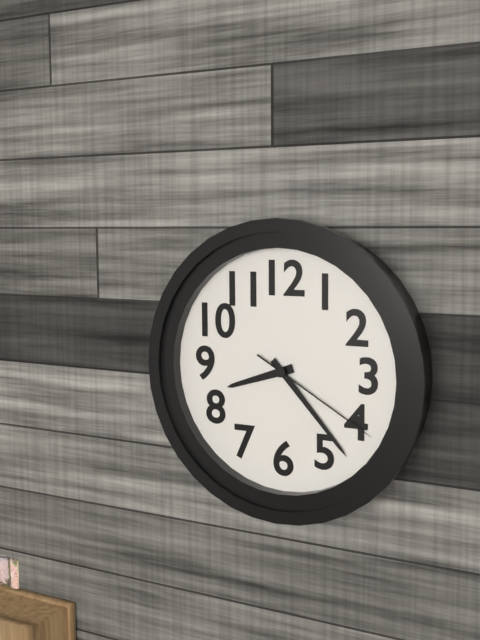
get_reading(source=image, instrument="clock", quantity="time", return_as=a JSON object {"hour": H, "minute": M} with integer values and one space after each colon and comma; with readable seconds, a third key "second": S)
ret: {"hour": 8, "minute": 23, "second": 20}
